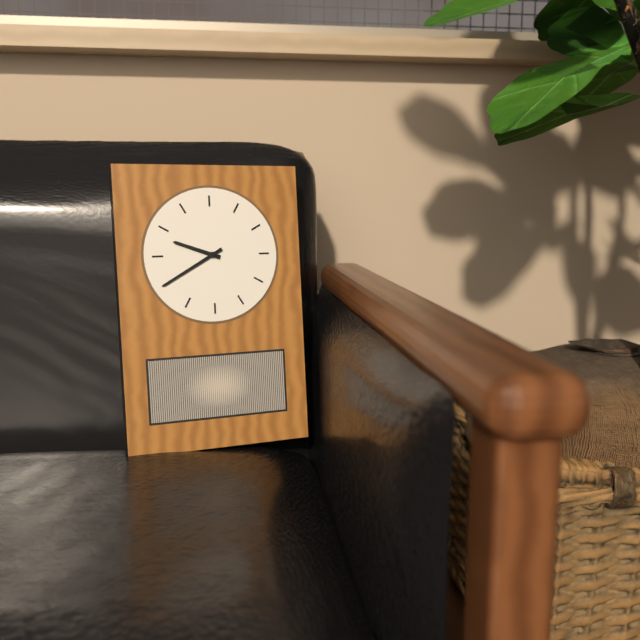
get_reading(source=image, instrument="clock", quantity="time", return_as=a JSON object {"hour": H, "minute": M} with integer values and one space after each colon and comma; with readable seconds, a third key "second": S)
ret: {"hour": 9, "minute": 40}
